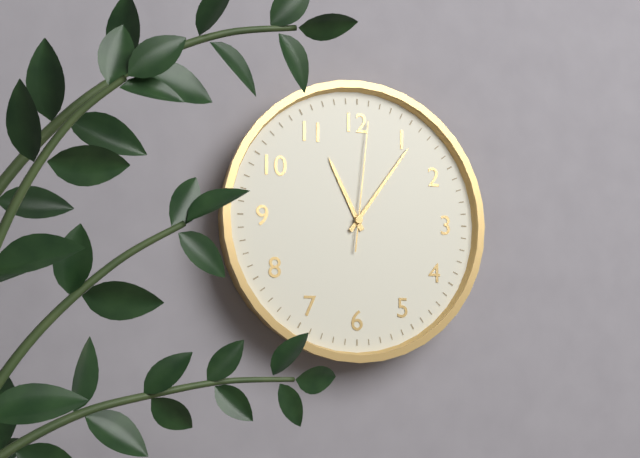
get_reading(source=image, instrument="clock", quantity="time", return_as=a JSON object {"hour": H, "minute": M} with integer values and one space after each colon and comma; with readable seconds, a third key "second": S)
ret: {"hour": 11, "minute": 6, "second": 1}
